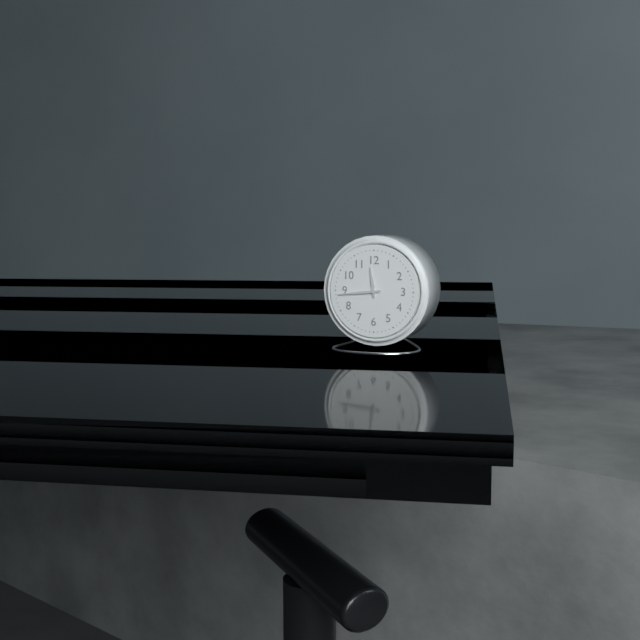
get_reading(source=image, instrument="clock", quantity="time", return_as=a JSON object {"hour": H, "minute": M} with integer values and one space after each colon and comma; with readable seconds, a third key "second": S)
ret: {"hour": 11, "minute": 44}
